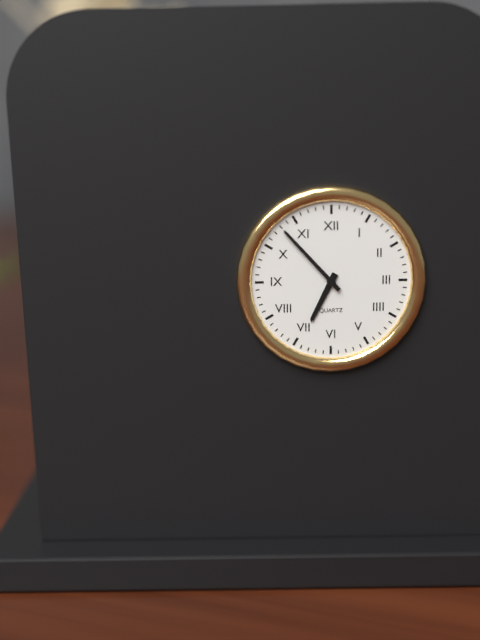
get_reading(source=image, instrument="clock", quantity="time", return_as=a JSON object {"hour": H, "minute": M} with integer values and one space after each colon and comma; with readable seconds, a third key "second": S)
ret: {"hour": 6, "minute": 53}
